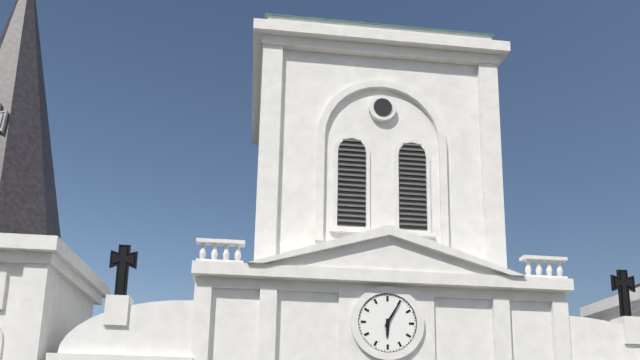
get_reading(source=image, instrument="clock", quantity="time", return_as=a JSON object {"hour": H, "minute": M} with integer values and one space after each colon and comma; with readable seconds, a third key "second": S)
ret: {"hour": 6, "minute": 5}
